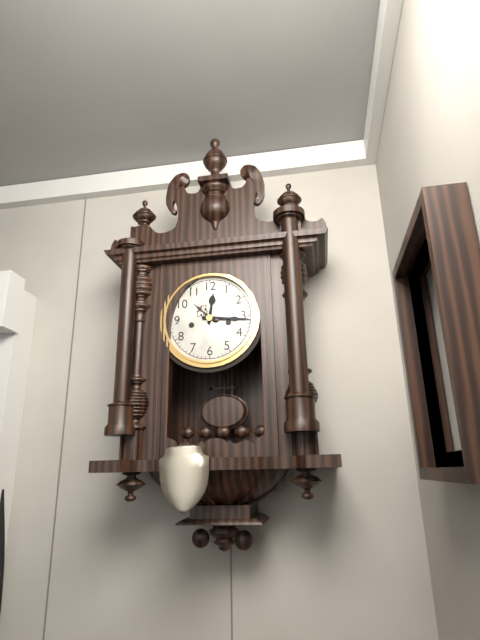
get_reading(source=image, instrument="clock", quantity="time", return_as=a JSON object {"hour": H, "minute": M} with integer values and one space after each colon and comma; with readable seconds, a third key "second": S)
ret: {"hour": 12, "minute": 16}
